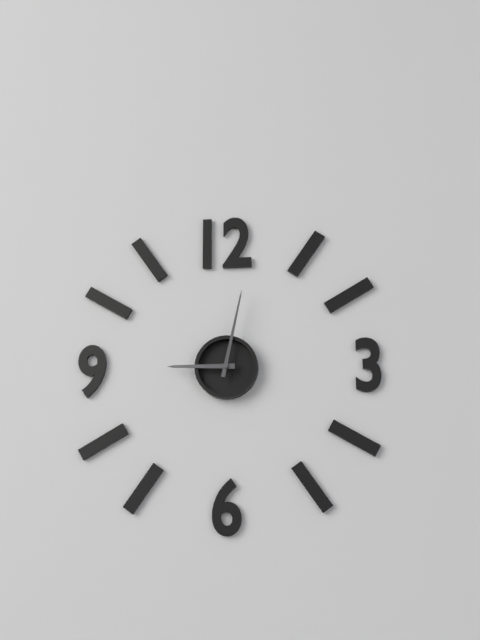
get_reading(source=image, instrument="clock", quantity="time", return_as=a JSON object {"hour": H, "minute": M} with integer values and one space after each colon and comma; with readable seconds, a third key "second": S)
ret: {"hour": 9, "minute": 2}
